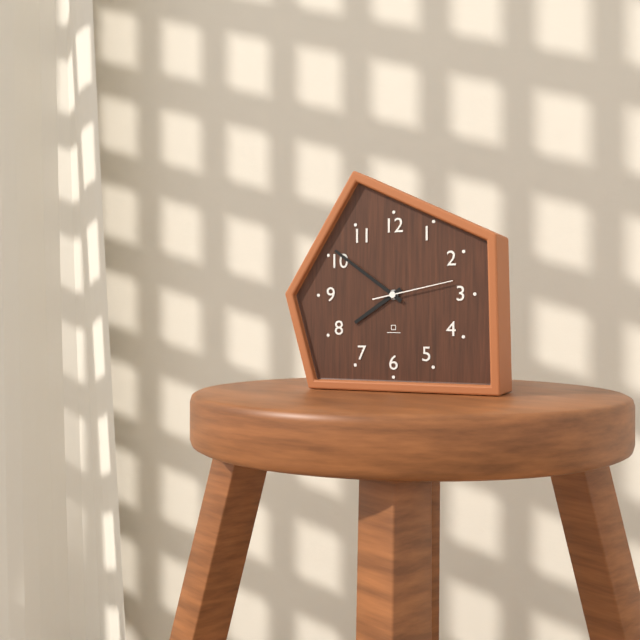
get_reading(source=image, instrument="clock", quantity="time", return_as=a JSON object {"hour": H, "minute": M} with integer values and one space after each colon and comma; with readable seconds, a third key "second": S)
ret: {"hour": 7, "minute": 51, "second": 13}
